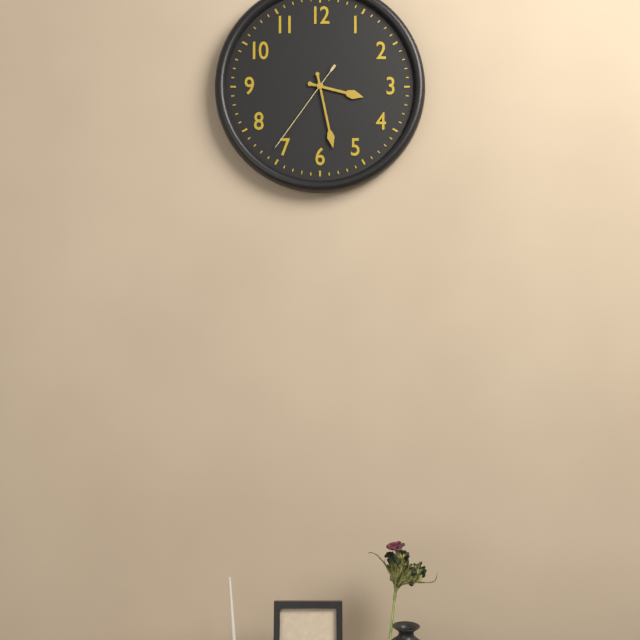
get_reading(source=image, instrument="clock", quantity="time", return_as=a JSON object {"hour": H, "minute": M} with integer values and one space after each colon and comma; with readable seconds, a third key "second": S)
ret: {"hour": 3, "minute": 28, "second": 36}
